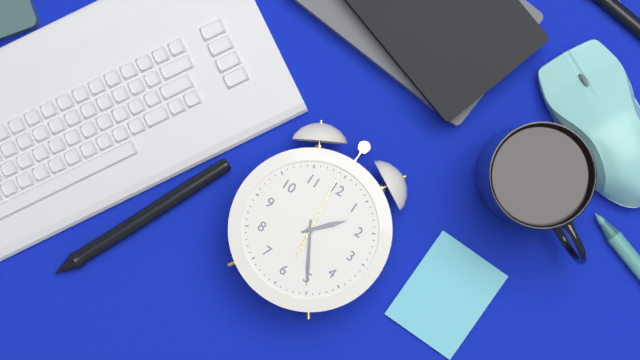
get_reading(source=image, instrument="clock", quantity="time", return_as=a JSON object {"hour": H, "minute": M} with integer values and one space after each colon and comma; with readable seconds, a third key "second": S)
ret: {"hour": 1, "minute": 25, "second": 59}
